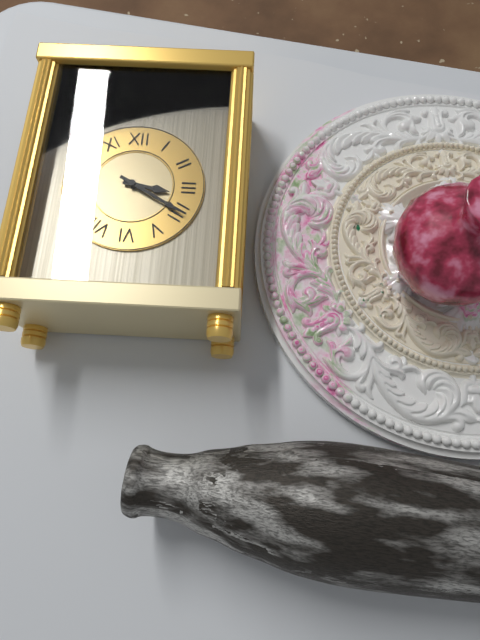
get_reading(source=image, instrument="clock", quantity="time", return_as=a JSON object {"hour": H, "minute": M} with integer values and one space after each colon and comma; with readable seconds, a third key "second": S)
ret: {"hour": 3, "minute": 20}
